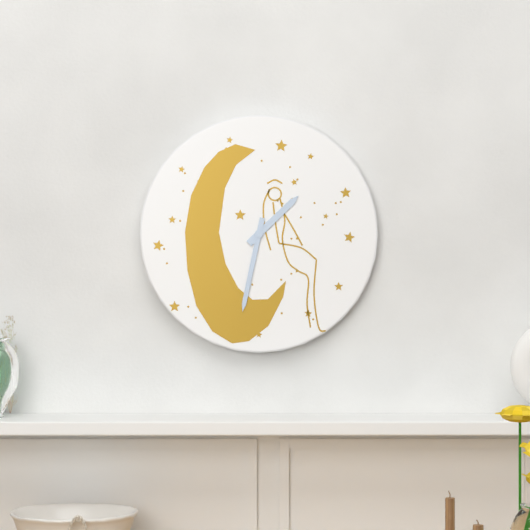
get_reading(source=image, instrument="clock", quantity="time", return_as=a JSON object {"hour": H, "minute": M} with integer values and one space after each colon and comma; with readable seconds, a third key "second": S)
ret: {"hour": 1, "minute": 32}
